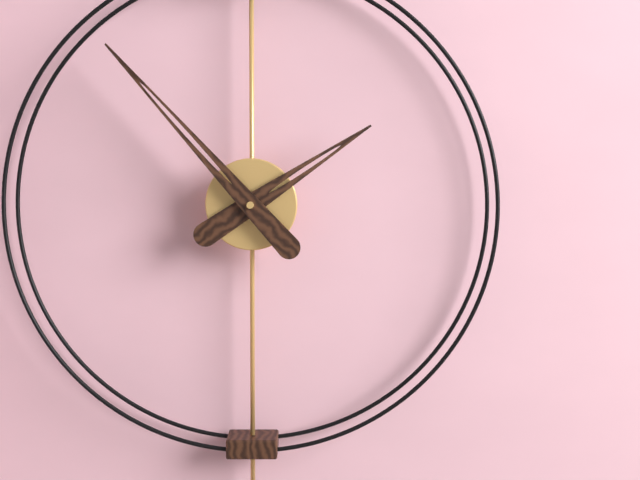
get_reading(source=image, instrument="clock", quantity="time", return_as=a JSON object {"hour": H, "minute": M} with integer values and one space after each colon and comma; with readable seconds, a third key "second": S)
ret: {"hour": 1, "minute": 53}
